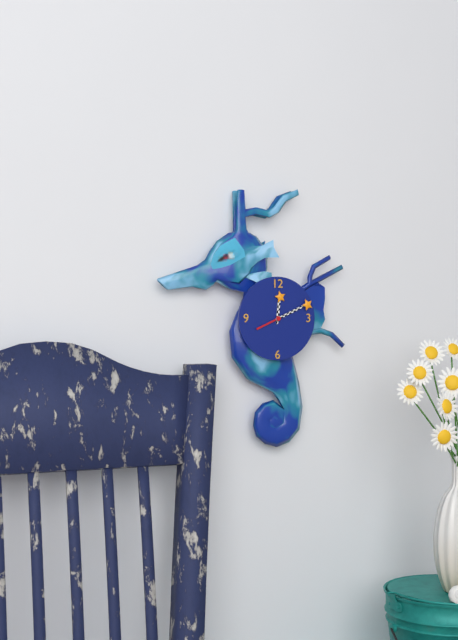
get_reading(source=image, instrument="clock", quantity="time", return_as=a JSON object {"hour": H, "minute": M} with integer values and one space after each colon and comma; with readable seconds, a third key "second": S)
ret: {"hour": 12, "minute": 11}
